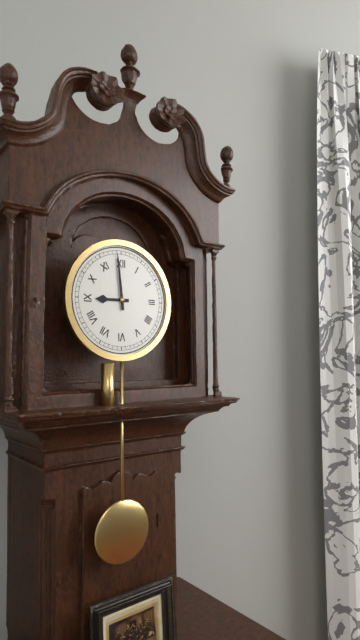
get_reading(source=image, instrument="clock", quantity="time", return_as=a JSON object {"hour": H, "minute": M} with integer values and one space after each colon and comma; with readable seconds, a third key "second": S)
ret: {"hour": 8, "minute": 59}
